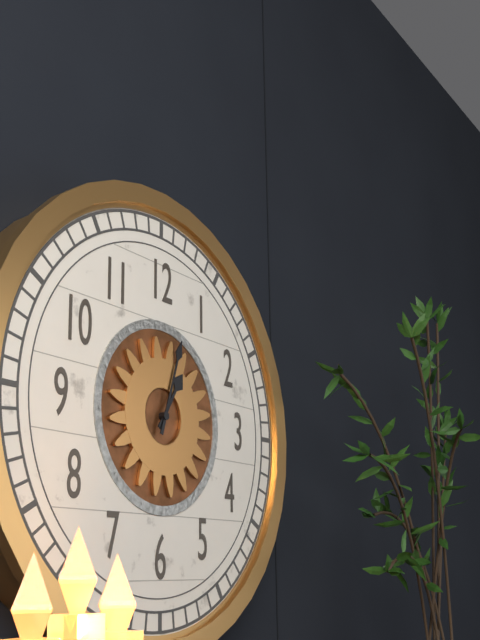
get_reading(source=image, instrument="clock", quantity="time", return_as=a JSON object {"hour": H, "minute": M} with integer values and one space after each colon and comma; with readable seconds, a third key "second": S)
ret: {"hour": 1, "minute": 3}
